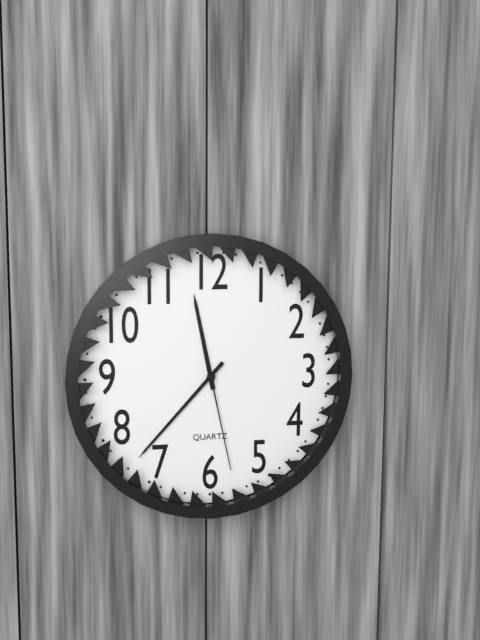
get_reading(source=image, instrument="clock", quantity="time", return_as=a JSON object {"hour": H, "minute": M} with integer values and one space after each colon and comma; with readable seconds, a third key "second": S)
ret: {"hour": 11, "minute": 37, "second": 28}
